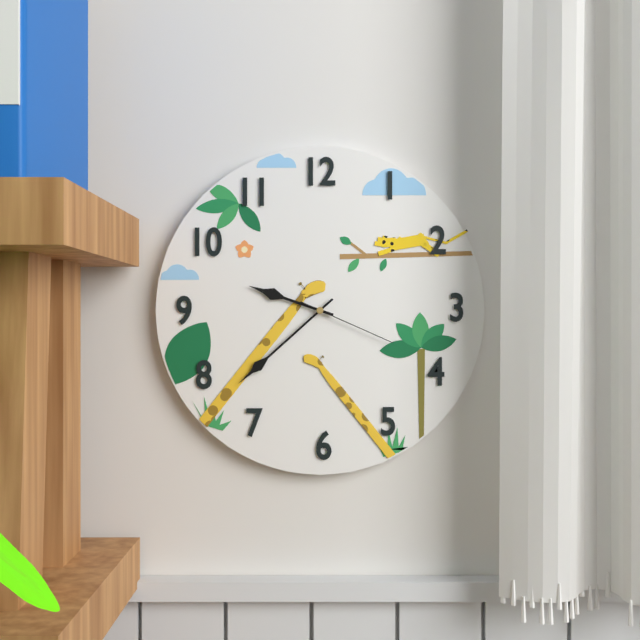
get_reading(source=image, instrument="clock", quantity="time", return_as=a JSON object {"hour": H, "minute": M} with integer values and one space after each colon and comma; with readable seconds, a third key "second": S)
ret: {"hour": 9, "minute": 38, "second": 19}
